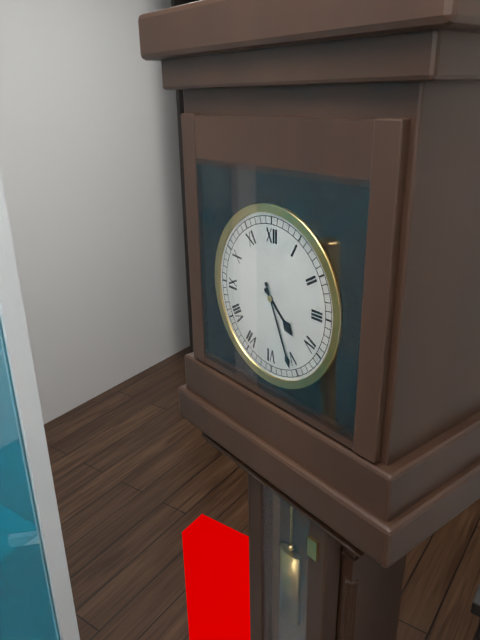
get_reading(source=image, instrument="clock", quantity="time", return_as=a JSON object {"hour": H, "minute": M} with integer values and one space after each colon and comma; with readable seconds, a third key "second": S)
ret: {"hour": 4, "minute": 26}
